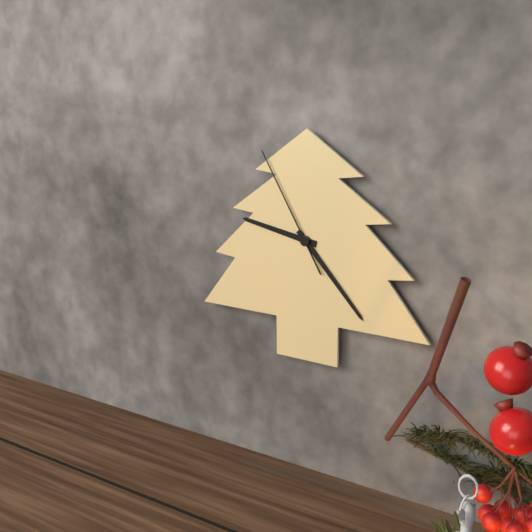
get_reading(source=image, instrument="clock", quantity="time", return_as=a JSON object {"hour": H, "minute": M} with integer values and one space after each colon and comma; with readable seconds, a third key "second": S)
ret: {"hour": 9, "minute": 23, "second": 55}
